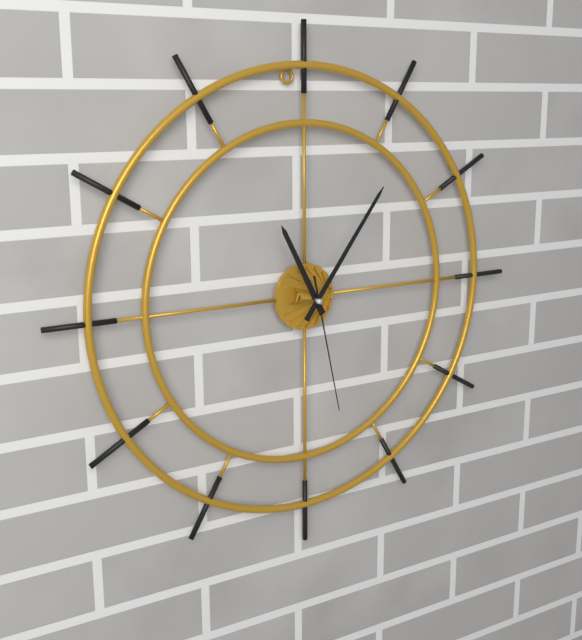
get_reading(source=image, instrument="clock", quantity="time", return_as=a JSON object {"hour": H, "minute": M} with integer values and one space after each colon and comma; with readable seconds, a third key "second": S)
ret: {"hour": 11, "minute": 6, "second": 28}
